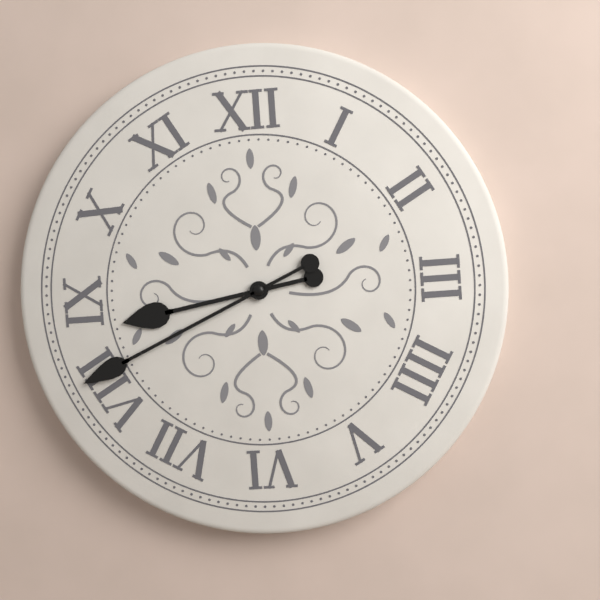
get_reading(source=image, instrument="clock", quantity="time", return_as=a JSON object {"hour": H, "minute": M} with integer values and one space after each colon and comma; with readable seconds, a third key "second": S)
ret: {"hour": 8, "minute": 41}
